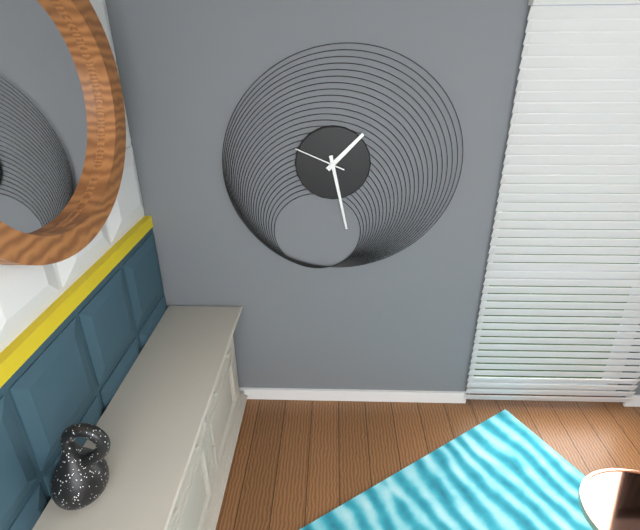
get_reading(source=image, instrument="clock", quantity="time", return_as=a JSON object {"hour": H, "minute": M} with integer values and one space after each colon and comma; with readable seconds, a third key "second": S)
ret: {"hour": 1, "minute": 28, "second": 49}
